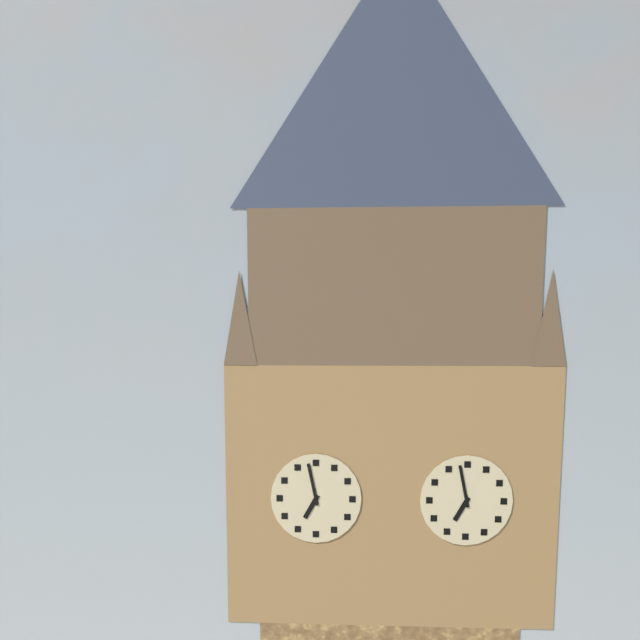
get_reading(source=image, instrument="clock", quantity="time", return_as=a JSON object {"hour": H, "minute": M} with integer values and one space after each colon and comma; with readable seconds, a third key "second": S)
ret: {"hour": 6, "minute": 58}
